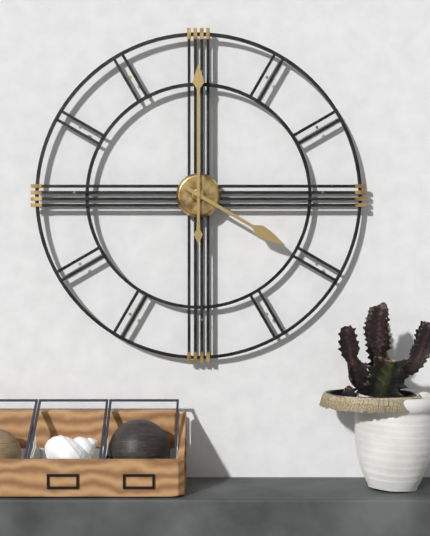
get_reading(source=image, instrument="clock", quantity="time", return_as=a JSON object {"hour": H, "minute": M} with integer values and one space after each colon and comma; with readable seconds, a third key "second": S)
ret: {"hour": 4, "minute": 0}
